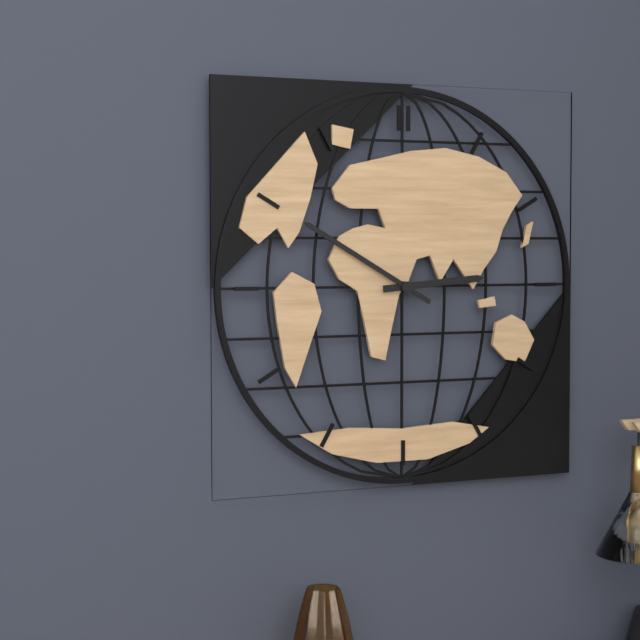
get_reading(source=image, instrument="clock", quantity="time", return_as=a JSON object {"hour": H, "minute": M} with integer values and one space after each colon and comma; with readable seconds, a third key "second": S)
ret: {"hour": 2, "minute": 50}
